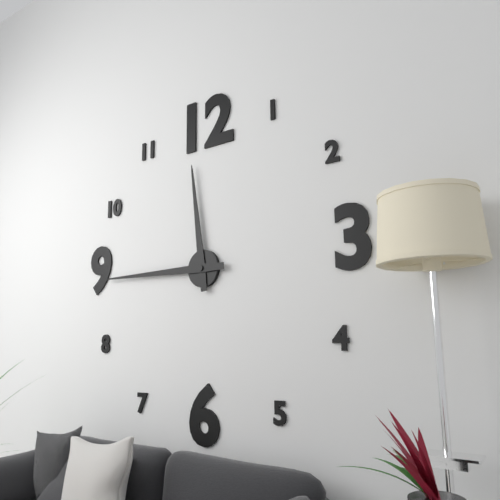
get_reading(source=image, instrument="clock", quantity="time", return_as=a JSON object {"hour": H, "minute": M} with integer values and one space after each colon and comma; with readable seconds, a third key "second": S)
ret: {"hour": 11, "minute": 45}
